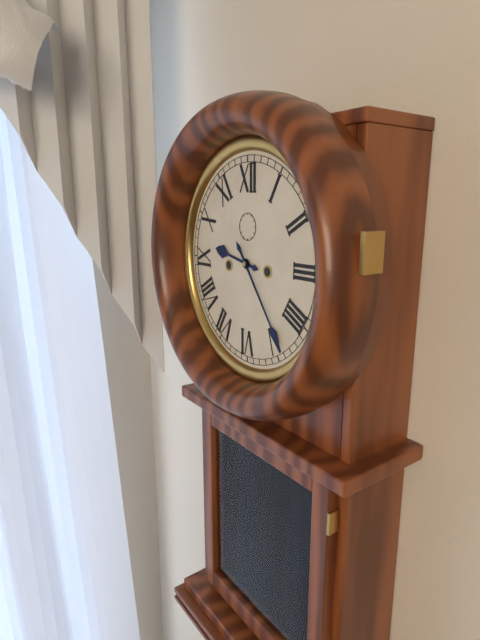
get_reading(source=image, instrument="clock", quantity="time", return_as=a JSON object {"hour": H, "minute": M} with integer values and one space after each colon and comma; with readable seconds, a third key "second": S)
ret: {"hour": 9, "minute": 24}
